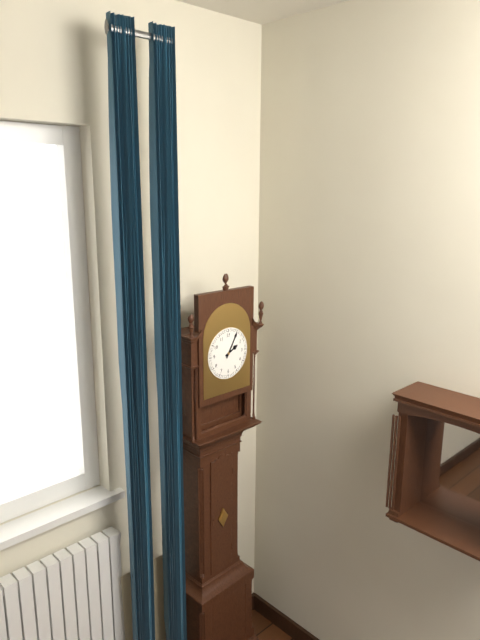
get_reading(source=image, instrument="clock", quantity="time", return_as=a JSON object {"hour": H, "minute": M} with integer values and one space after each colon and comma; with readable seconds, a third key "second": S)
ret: {"hour": 2, "minute": 5}
